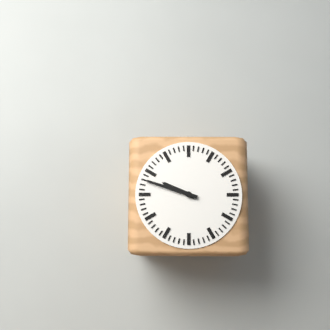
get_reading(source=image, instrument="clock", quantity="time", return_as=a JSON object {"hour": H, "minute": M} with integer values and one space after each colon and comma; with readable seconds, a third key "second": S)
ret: {"hour": 9, "minute": 48}
